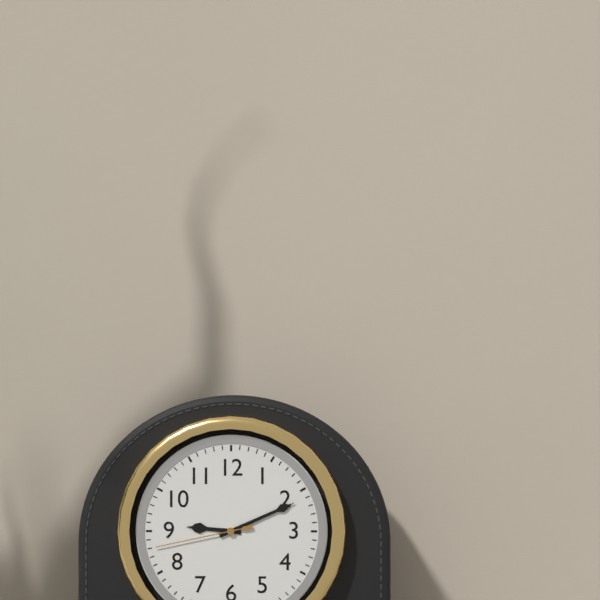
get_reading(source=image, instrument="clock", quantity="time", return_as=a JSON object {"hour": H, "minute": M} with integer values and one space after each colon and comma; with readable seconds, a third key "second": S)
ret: {"hour": 9, "minute": 11, "second": 43}
